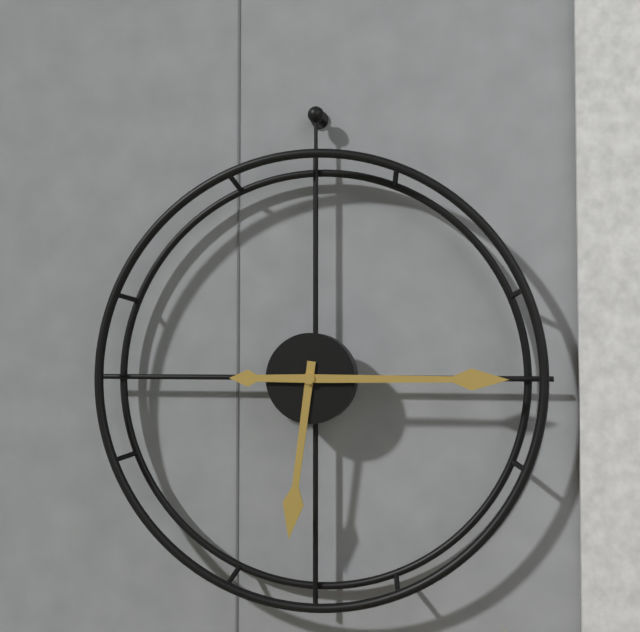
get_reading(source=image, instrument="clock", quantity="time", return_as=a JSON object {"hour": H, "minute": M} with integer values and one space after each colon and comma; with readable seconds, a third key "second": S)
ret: {"hour": 6, "minute": 15}
